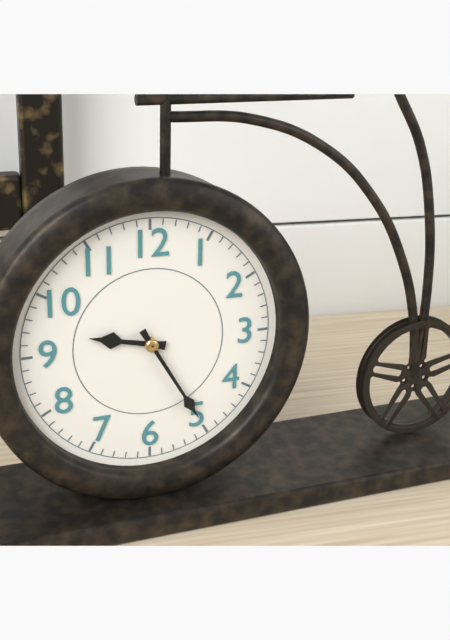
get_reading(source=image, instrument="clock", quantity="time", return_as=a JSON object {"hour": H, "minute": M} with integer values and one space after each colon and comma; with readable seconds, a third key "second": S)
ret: {"hour": 9, "minute": 25}
